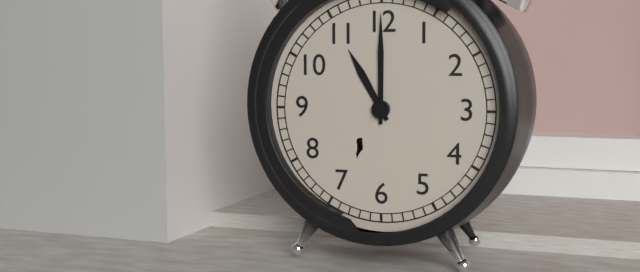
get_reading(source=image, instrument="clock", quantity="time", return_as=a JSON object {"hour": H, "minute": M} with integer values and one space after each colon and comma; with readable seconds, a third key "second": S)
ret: {"hour": 11, "minute": 0}
